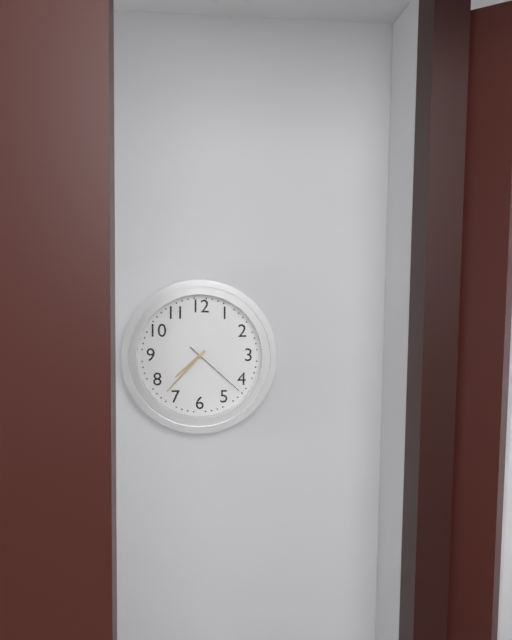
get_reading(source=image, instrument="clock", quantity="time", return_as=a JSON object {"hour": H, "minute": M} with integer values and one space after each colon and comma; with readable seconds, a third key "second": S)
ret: {"hour": 7, "minute": 37, "second": 22}
